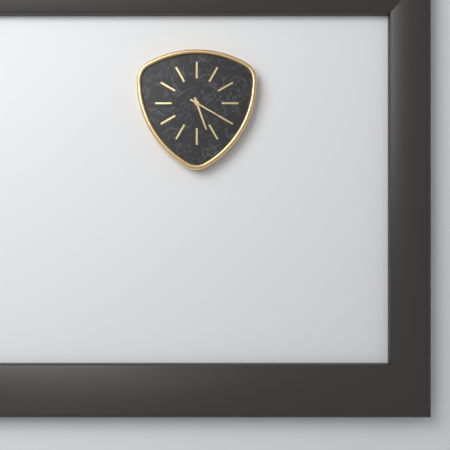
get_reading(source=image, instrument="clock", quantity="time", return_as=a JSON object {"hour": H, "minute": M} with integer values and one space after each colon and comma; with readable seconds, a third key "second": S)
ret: {"hour": 5, "minute": 20}
